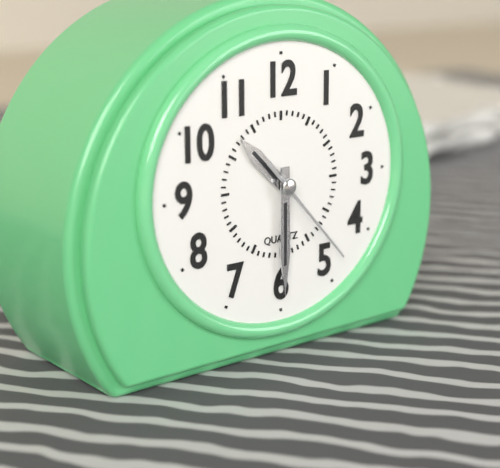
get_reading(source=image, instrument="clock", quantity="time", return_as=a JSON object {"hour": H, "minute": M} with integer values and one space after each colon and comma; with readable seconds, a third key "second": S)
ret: {"hour": 10, "minute": 30, "second": 23}
